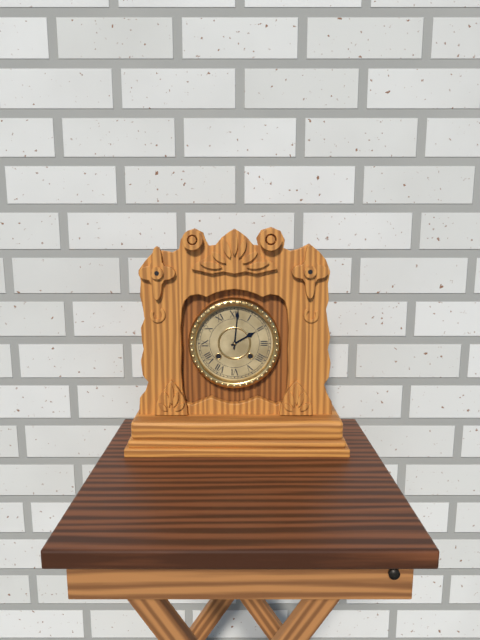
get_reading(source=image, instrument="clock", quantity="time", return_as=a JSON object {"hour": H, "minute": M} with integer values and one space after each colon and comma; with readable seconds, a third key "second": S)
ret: {"hour": 2, "minute": 1}
